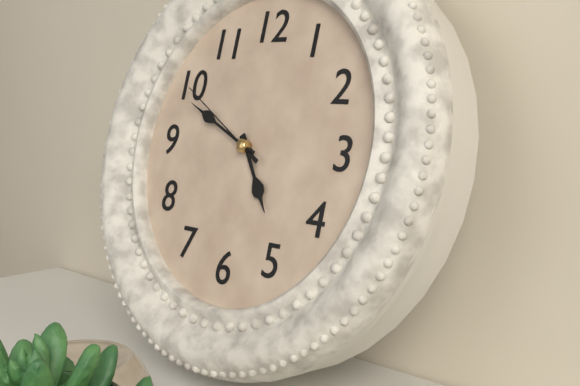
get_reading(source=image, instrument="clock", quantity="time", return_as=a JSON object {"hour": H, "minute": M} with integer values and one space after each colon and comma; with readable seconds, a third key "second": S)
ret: {"hour": 4, "minute": 49, "second": 50}
